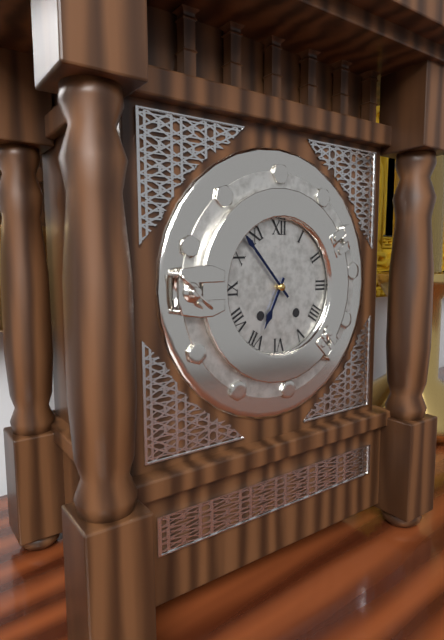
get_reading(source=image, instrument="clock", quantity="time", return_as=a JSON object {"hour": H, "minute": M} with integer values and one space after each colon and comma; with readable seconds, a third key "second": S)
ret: {"hour": 6, "minute": 53}
